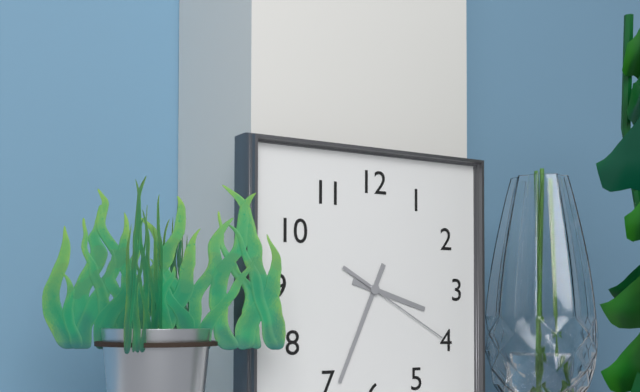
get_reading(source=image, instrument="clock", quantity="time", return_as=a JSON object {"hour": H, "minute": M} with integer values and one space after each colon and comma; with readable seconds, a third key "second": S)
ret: {"hour": 3, "minute": 34, "second": 20}
